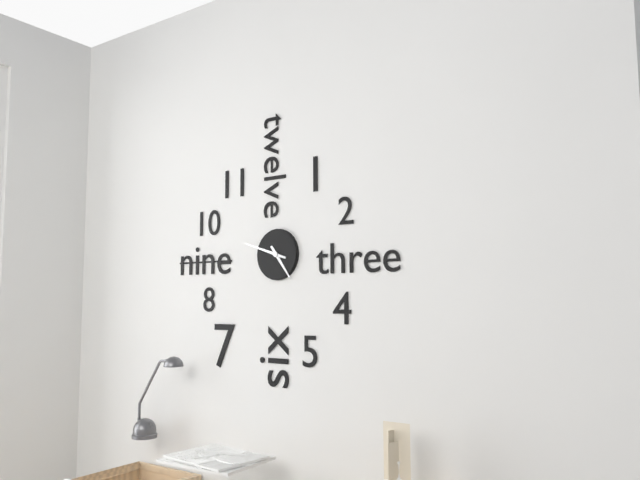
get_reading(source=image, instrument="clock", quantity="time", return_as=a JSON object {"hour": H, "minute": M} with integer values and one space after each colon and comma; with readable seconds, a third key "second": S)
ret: {"hour": 4, "minute": 48}
